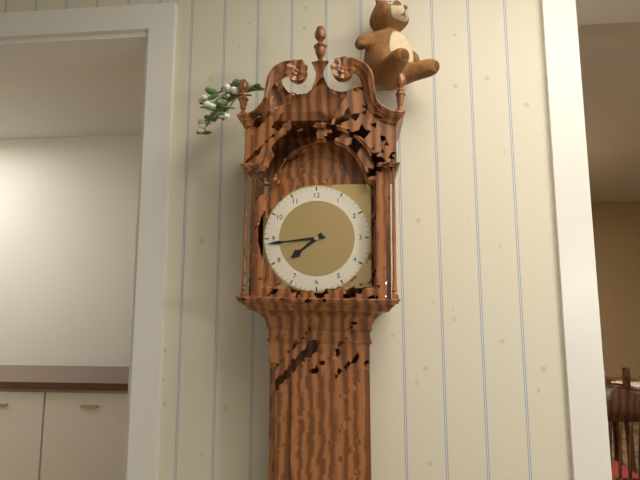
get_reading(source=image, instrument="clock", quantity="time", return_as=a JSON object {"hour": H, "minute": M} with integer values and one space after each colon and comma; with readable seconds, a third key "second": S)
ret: {"hour": 7, "minute": 44}
